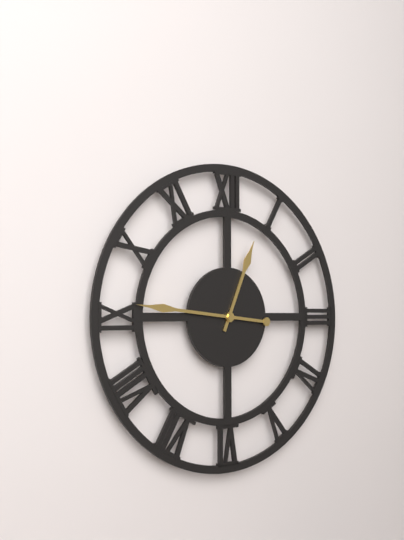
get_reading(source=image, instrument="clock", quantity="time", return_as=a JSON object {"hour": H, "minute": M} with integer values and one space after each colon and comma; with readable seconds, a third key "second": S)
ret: {"hour": 12, "minute": 46}
